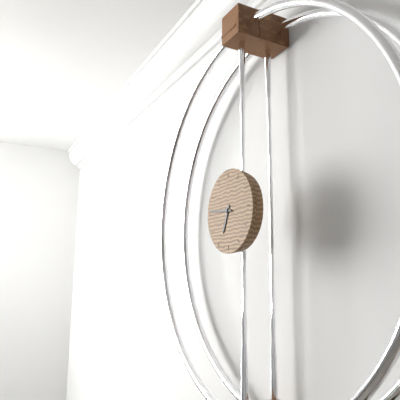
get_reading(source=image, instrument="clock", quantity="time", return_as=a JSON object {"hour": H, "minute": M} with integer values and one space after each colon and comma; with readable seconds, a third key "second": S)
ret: {"hour": 6, "minute": 46}
